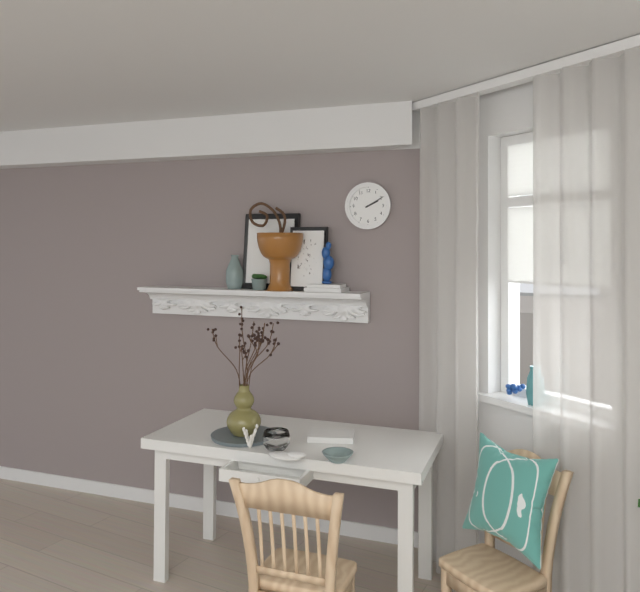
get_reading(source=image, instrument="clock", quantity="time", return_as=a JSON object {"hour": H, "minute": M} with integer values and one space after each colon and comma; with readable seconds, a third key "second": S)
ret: {"hour": 2, "minute": 10}
